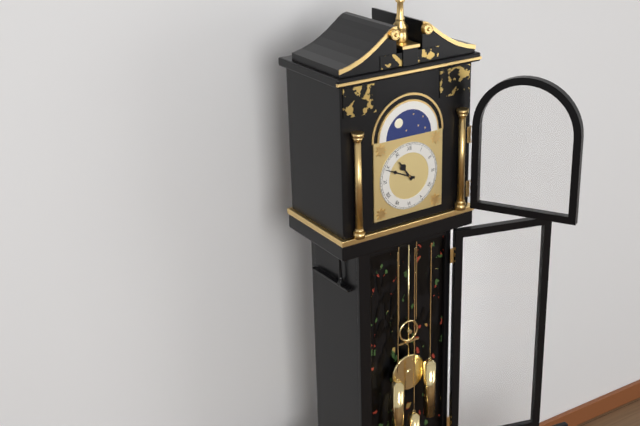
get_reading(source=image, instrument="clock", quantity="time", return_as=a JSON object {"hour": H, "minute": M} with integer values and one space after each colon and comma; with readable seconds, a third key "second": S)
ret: {"hour": 10, "minute": 49}
